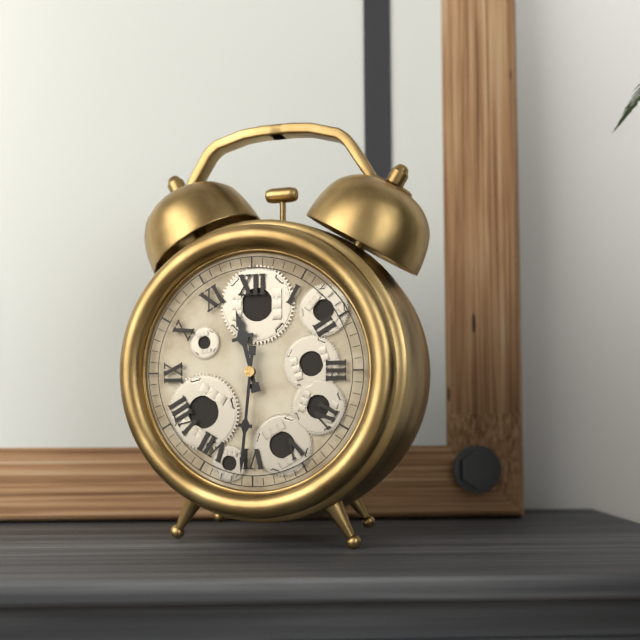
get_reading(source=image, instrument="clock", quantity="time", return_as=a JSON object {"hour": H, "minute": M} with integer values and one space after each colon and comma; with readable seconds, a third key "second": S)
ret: {"hour": 11, "minute": 31}
